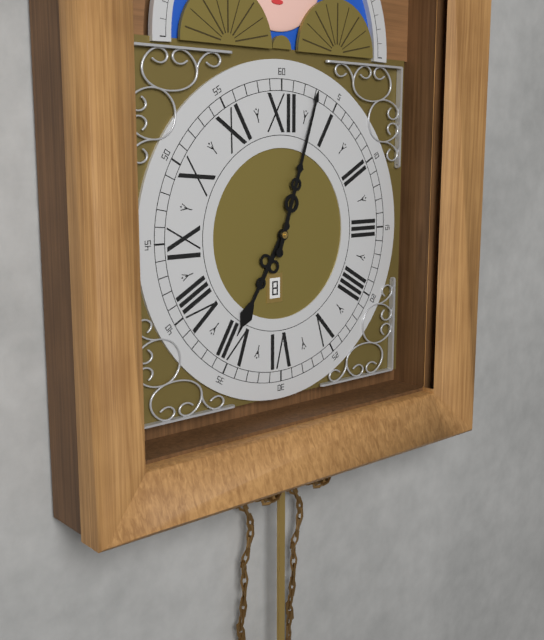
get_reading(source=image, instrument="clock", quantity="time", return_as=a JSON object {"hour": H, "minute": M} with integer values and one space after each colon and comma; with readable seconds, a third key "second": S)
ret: {"hour": 7, "minute": 3}
